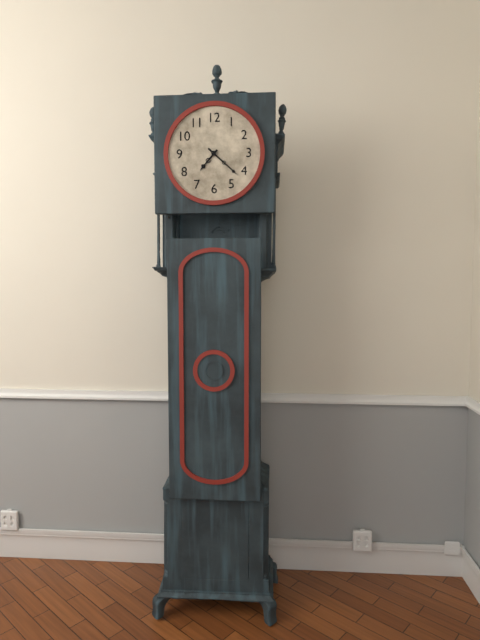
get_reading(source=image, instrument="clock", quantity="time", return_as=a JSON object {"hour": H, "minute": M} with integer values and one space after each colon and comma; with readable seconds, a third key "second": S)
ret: {"hour": 7, "minute": 22}
